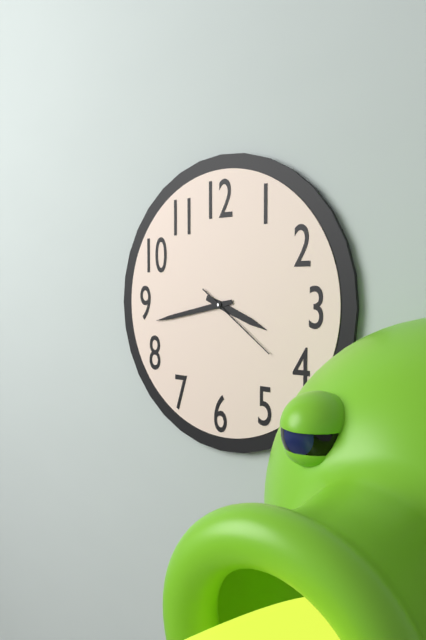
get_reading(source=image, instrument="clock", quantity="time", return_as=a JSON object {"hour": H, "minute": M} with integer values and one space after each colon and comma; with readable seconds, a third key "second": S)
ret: {"hour": 3, "minute": 43, "second": 21}
